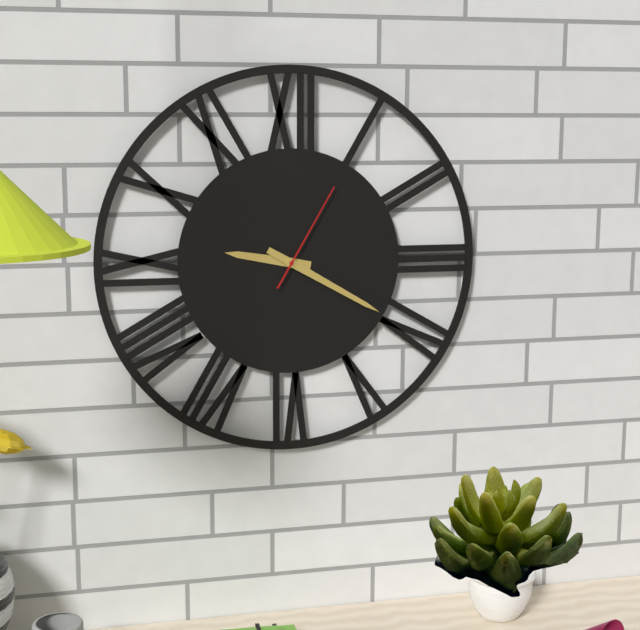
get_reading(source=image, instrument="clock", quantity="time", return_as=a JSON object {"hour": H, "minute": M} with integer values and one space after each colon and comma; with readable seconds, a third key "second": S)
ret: {"hour": 9, "minute": 20, "second": 5}
